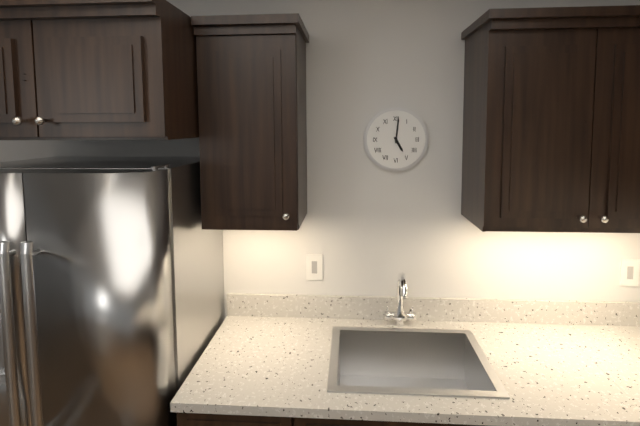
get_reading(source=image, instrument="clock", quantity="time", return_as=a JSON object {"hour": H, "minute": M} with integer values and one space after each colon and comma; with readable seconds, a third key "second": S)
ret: {"hour": 5, "minute": 1}
